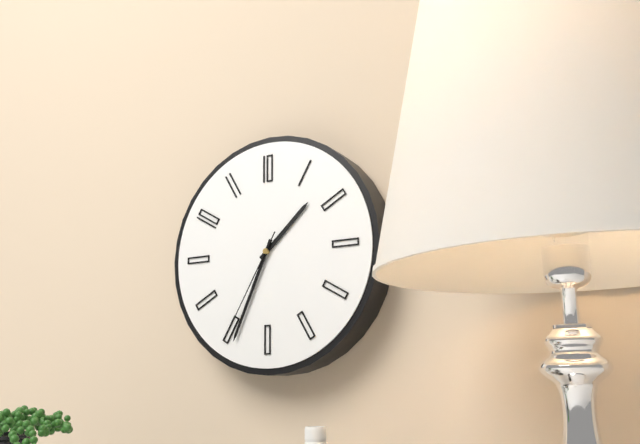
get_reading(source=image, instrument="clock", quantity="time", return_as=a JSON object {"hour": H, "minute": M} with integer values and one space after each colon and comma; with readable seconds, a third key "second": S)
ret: {"hour": 1, "minute": 34, "second": 35}
